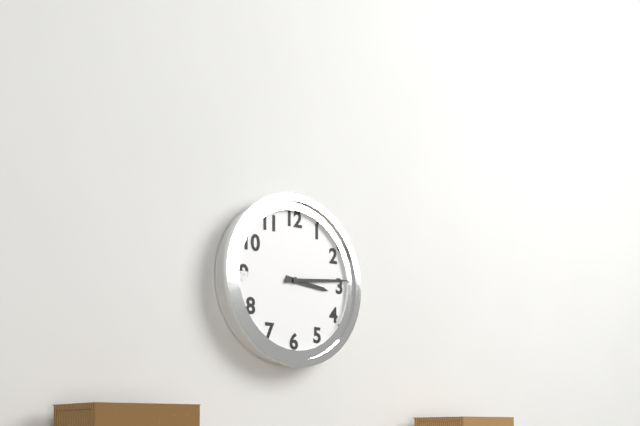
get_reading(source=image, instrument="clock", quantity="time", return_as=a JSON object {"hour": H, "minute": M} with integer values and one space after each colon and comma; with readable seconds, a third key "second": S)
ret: {"hour": 3, "minute": 14}
